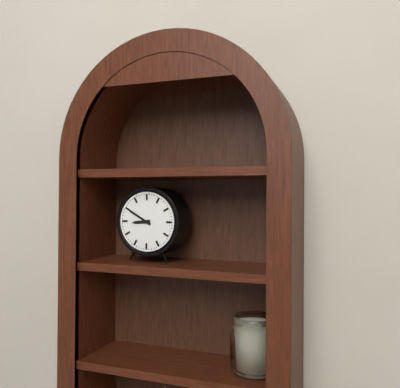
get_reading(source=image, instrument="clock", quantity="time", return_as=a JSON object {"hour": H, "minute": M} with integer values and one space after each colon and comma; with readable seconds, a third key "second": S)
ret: {"hour": 8, "minute": 50}
